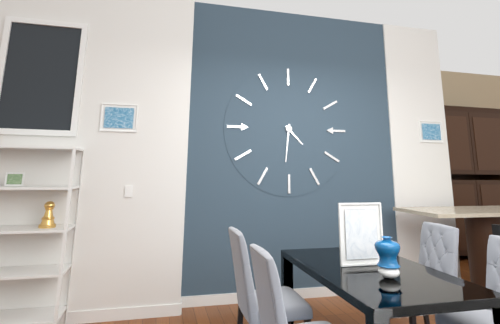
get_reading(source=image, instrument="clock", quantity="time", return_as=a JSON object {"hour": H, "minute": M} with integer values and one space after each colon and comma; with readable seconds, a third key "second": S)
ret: {"hour": 4, "minute": 31}
